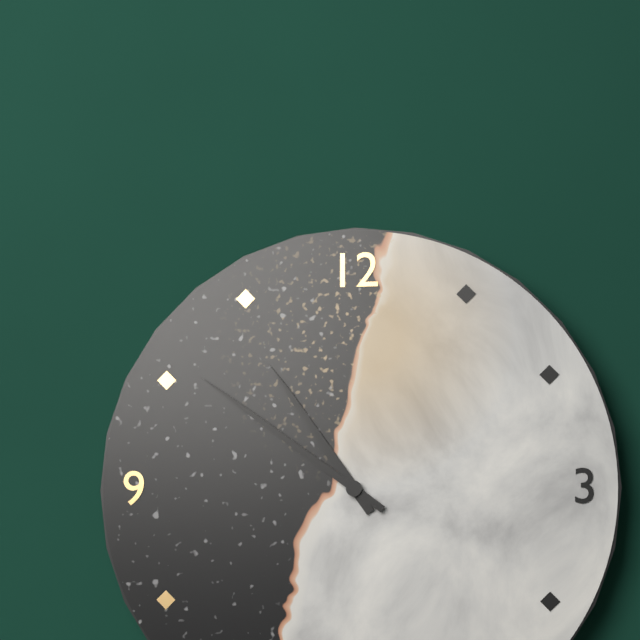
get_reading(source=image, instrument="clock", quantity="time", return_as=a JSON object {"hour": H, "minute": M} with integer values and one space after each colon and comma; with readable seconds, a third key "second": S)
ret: {"hour": 10, "minute": 51}
